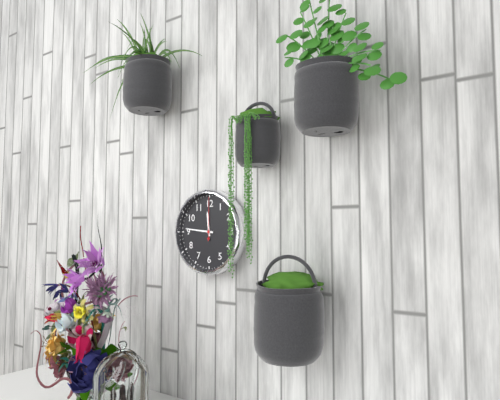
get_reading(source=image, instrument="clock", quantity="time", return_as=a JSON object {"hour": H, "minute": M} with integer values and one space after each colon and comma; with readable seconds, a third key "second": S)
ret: {"hour": 11, "minute": 46}
